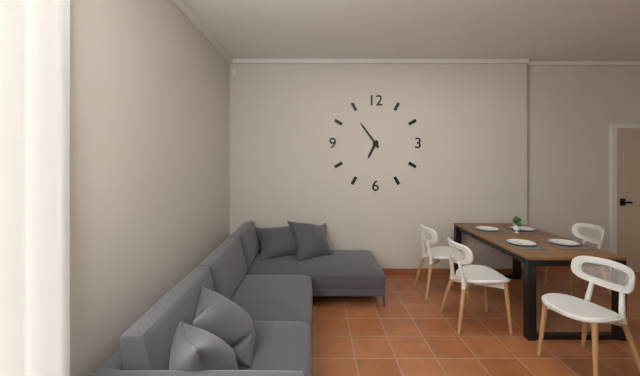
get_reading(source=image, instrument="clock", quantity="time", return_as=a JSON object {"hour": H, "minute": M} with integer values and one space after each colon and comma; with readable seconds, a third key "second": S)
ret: {"hour": 6, "minute": 54}
